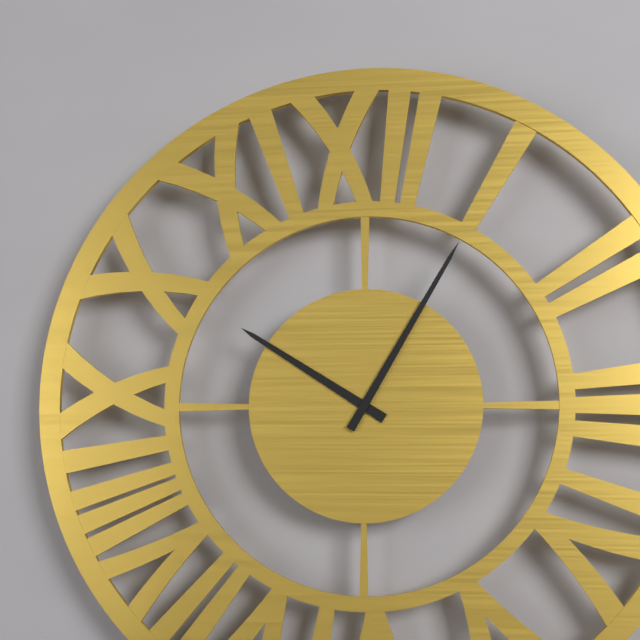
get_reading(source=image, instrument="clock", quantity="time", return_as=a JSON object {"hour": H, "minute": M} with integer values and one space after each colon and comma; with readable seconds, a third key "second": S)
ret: {"hour": 10, "minute": 5}
